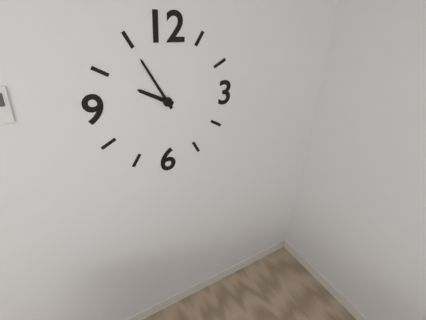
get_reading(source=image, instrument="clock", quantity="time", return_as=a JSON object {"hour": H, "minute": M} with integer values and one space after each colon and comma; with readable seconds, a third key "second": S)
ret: {"hour": 9, "minute": 55}
